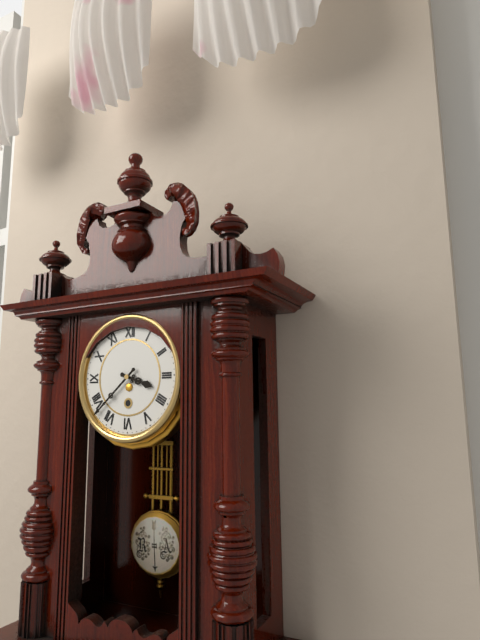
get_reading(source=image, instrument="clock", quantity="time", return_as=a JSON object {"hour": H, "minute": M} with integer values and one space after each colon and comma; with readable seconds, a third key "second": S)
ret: {"hour": 3, "minute": 38}
